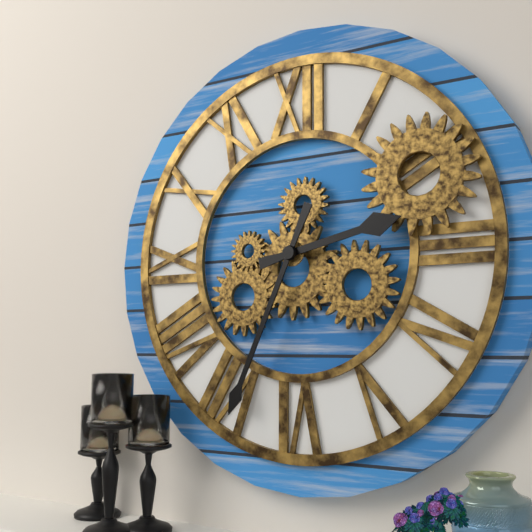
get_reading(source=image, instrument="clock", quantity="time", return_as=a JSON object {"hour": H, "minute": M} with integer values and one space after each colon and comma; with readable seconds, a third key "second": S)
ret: {"hour": 2, "minute": 34}
